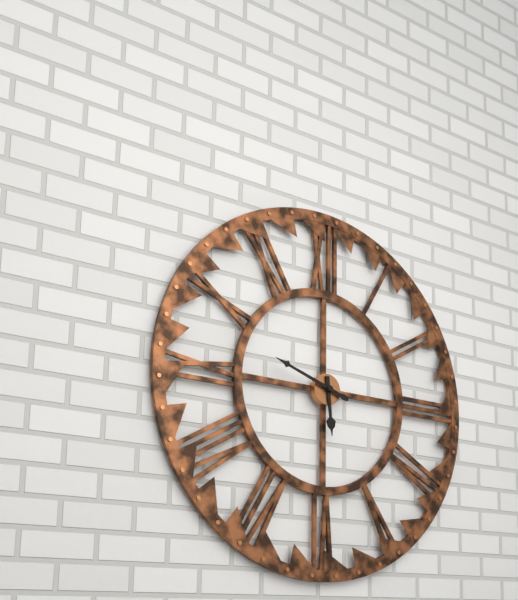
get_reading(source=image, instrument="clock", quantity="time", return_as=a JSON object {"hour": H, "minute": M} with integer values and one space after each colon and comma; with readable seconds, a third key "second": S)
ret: {"hour": 5, "minute": 48}
